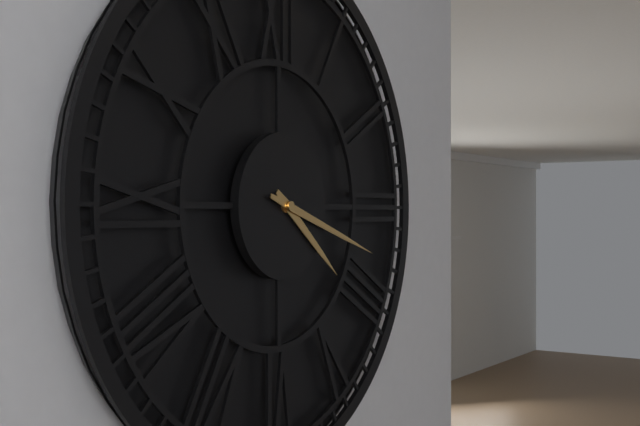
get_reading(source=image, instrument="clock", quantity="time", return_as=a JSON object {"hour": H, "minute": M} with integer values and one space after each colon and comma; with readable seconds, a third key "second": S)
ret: {"hour": 4, "minute": 18}
